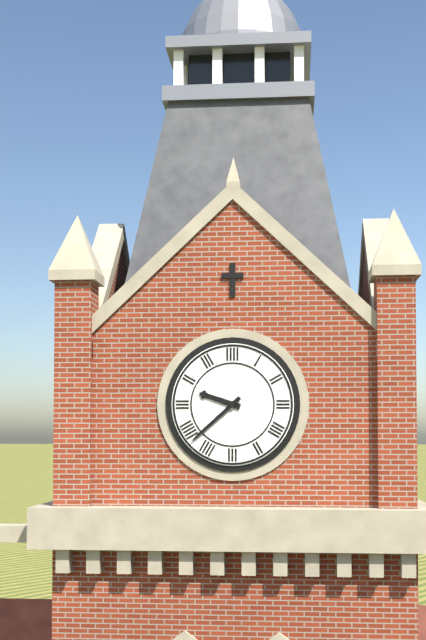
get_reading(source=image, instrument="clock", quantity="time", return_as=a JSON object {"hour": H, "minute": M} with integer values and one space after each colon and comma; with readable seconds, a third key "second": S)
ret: {"hour": 9, "minute": 38}
